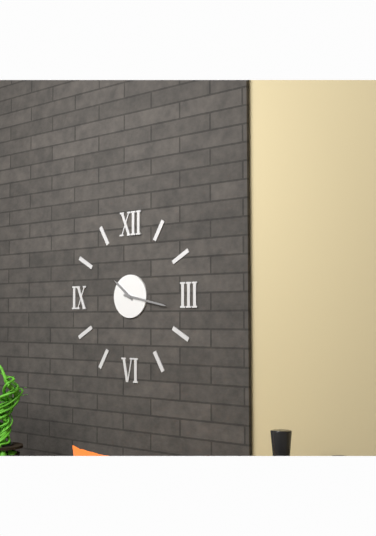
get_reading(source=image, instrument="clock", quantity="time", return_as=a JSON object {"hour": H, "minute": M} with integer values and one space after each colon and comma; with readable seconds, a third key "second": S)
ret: {"hour": 10, "minute": 17}
